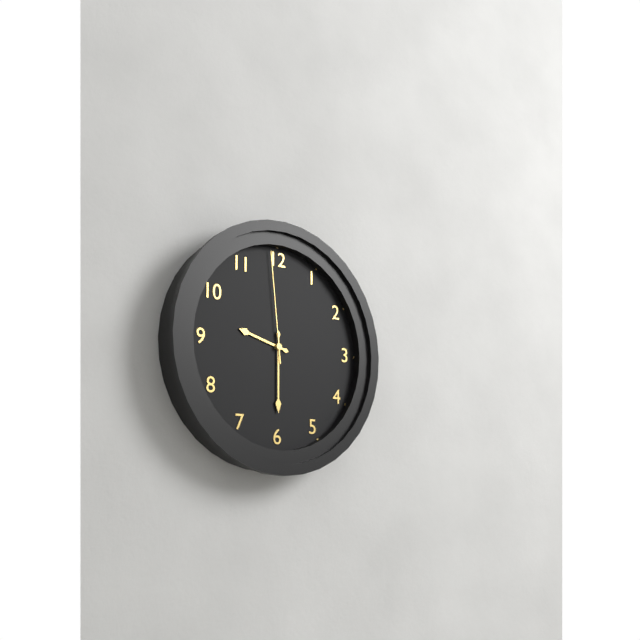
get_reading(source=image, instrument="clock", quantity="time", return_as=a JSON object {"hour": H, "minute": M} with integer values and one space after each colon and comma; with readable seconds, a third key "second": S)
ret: {"hour": 9, "minute": 30, "second": 59}
